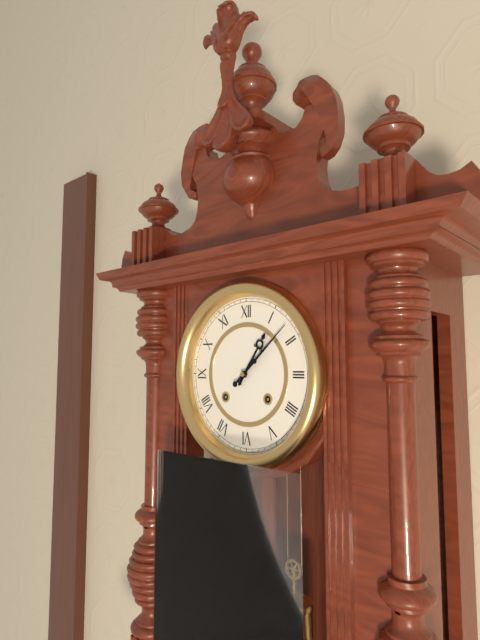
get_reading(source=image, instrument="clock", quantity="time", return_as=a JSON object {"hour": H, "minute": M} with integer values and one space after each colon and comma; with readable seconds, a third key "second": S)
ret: {"hour": 1, "minute": 8}
